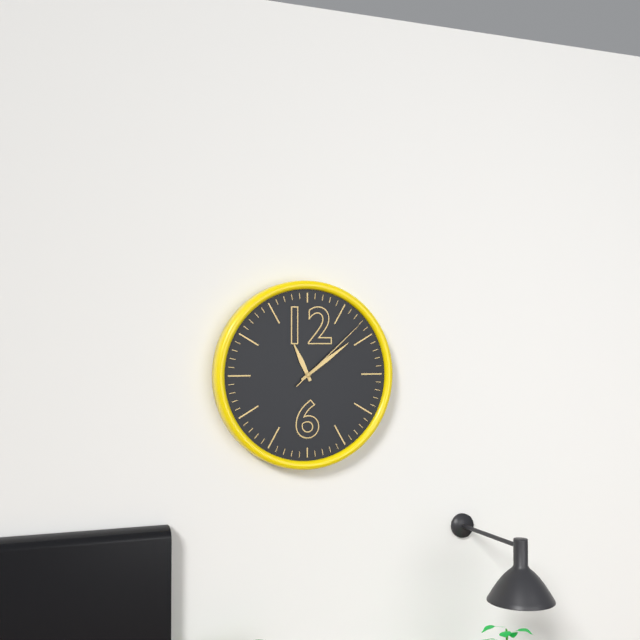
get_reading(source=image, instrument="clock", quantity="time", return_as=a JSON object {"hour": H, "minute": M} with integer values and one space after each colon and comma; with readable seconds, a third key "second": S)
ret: {"hour": 11, "minute": 9, "second": 8}
